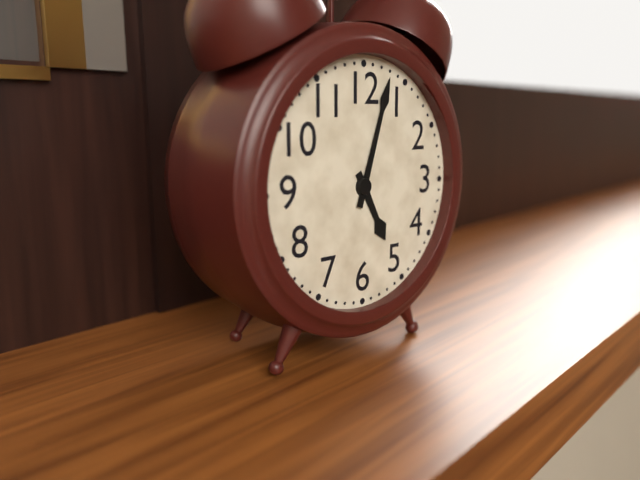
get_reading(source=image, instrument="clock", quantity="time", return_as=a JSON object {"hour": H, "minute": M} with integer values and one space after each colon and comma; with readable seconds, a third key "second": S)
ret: {"hour": 5, "minute": 3}
